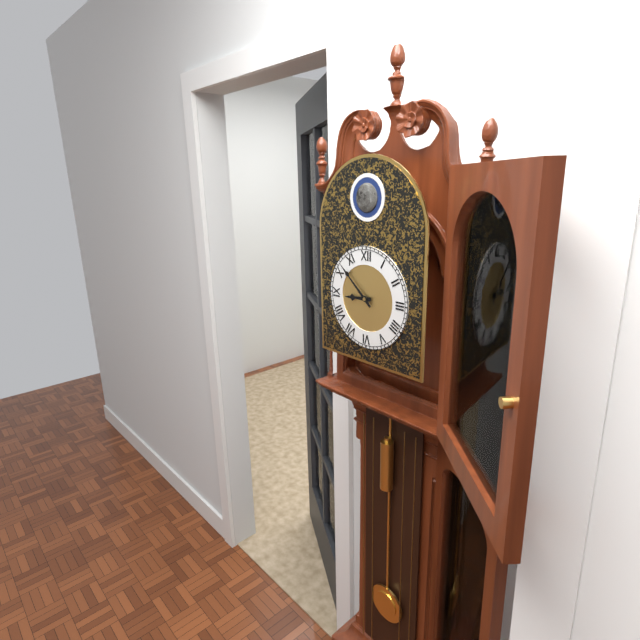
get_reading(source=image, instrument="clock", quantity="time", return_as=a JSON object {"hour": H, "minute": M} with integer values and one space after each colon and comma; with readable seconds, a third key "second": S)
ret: {"hour": 8, "minute": 52}
